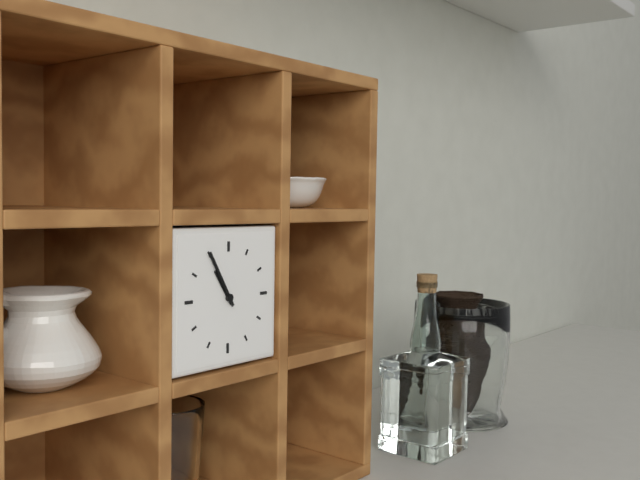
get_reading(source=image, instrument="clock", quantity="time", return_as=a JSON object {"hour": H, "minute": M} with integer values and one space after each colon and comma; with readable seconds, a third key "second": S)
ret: {"hour": 10, "minute": 55}
